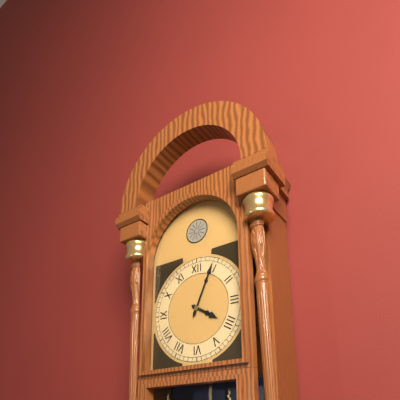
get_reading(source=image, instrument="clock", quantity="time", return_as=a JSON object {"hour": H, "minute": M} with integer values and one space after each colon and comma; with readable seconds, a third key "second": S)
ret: {"hour": 4, "minute": 4}
